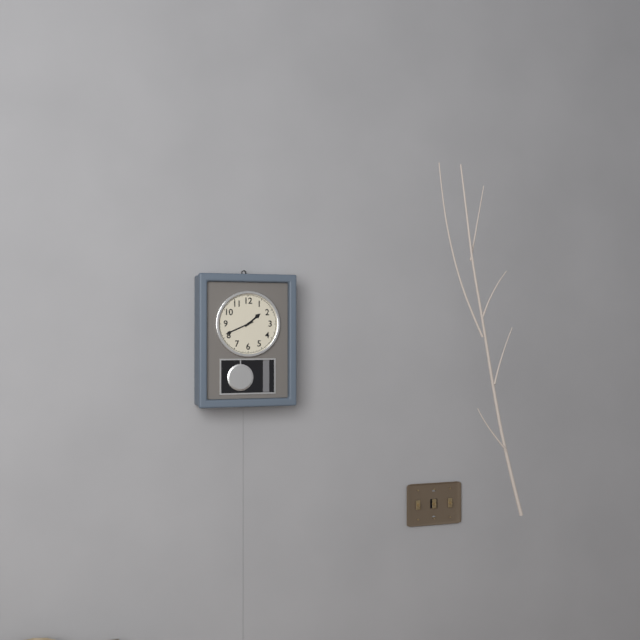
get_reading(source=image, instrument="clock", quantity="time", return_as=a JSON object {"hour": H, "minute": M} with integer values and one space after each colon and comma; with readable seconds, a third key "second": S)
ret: {"hour": 1, "minute": 41}
